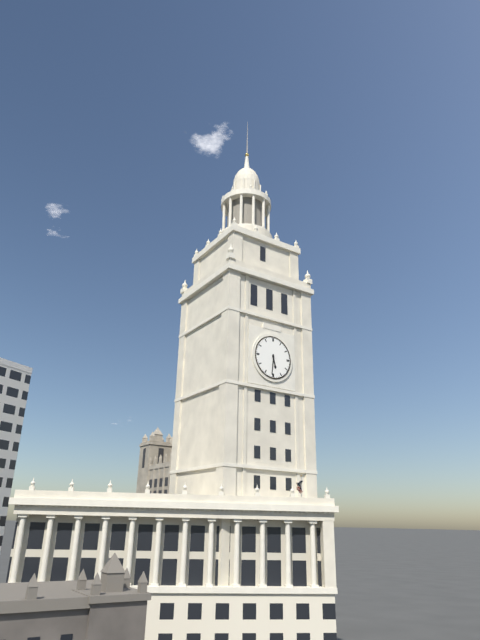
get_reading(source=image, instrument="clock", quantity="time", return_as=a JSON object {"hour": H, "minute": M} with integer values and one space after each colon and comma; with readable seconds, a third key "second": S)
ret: {"hour": 5, "minute": 31}
